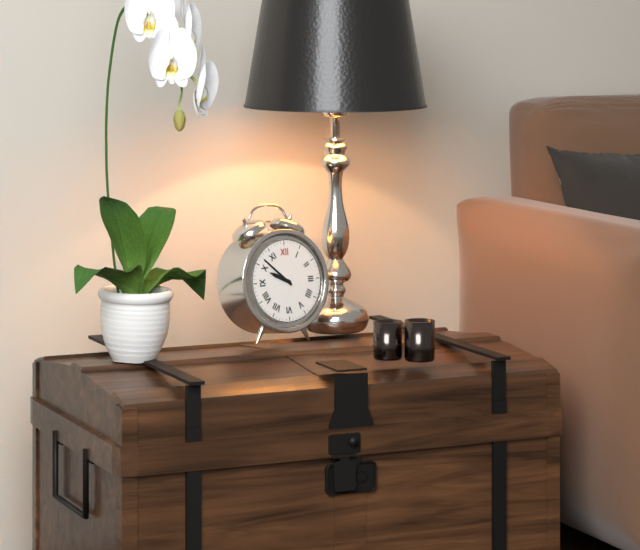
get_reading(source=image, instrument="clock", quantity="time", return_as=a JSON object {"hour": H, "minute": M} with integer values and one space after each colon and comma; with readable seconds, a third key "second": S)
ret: {"hour": 9, "minute": 52}
